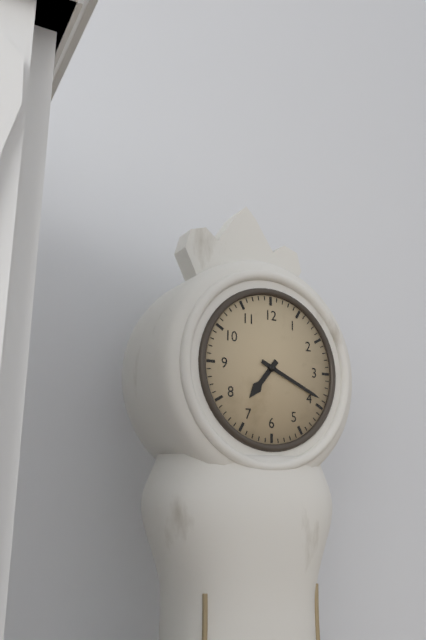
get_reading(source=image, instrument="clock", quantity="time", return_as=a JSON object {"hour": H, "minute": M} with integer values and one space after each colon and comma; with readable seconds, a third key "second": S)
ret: {"hour": 7, "minute": 19}
